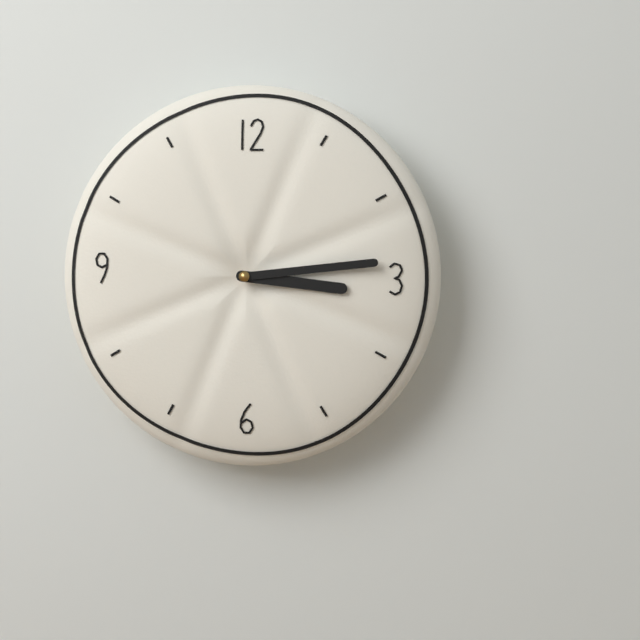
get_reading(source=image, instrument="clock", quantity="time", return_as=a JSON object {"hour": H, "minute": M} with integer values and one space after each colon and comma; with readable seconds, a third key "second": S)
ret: {"hour": 3, "minute": 14}
